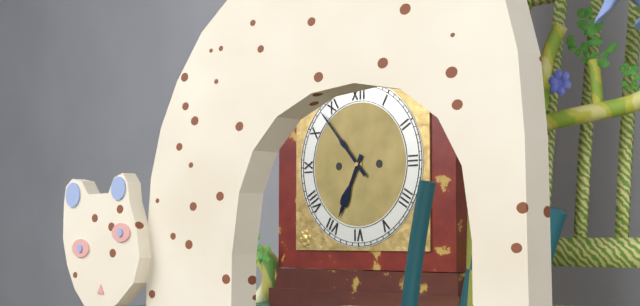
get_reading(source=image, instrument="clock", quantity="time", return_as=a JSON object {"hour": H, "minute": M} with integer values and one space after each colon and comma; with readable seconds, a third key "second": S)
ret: {"hour": 6, "minute": 53}
